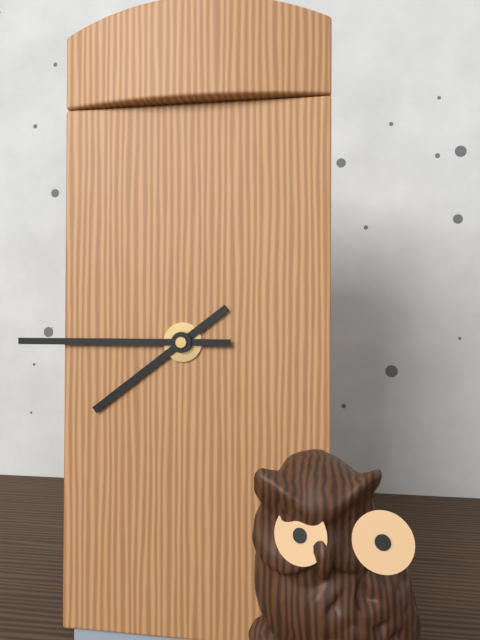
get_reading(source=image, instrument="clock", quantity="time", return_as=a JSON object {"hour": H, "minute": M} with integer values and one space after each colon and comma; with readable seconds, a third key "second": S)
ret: {"hour": 7, "minute": 45}
